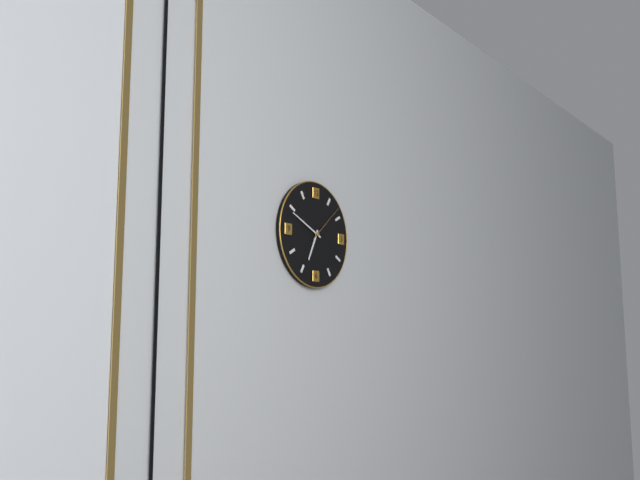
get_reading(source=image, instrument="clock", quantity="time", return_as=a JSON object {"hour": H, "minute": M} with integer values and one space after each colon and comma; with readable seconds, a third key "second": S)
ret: {"hour": 6, "minute": 49}
